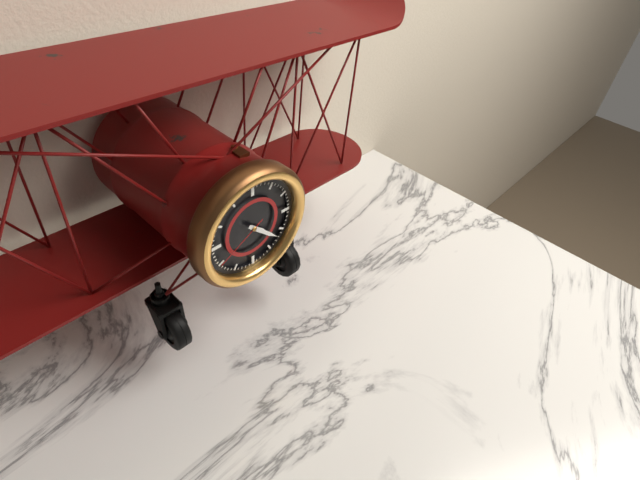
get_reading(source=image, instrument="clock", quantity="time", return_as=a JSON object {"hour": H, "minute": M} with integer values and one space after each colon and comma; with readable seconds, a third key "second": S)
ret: {"hour": 4, "minute": 22, "second": 40}
